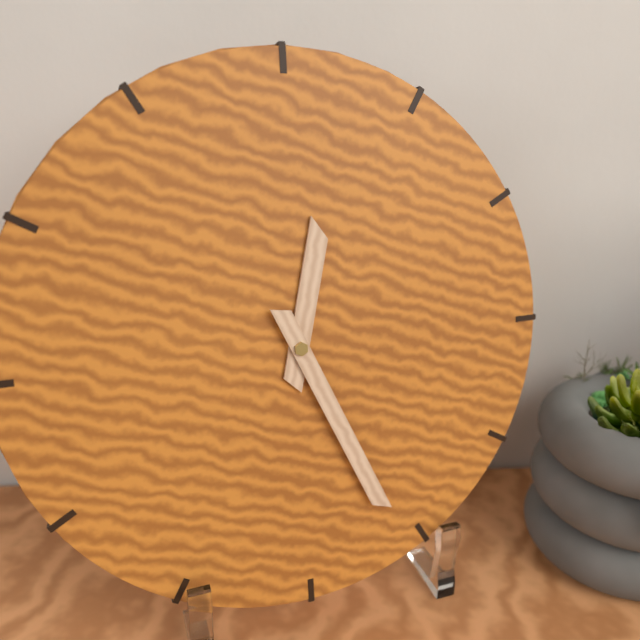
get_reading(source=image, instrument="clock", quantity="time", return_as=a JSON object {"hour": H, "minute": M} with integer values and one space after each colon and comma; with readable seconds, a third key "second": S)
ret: {"hour": 12, "minute": 26}
